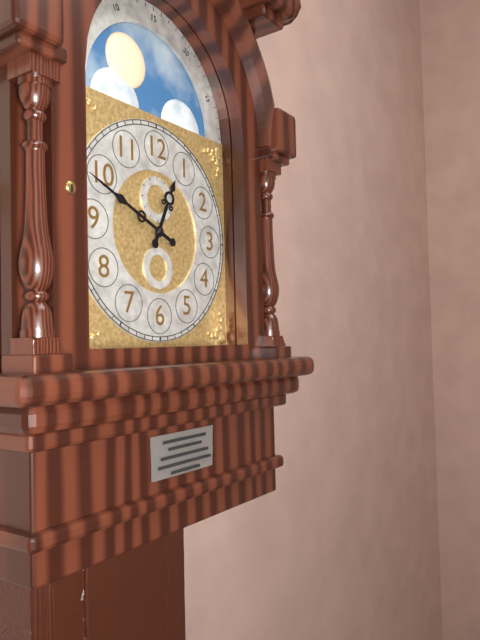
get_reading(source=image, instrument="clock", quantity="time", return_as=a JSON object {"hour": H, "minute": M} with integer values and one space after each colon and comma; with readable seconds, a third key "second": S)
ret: {"hour": 12, "minute": 49}
